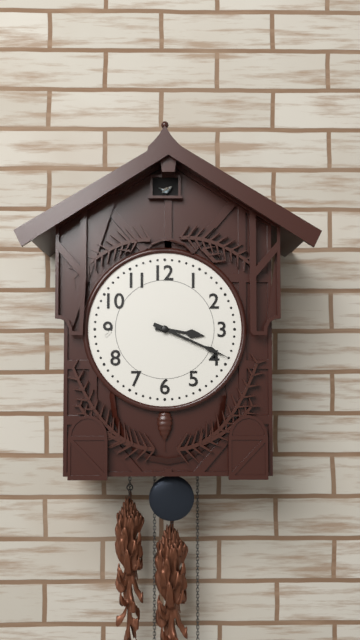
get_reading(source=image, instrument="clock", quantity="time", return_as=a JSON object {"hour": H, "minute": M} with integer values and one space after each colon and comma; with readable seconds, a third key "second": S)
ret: {"hour": 3, "minute": 19}
